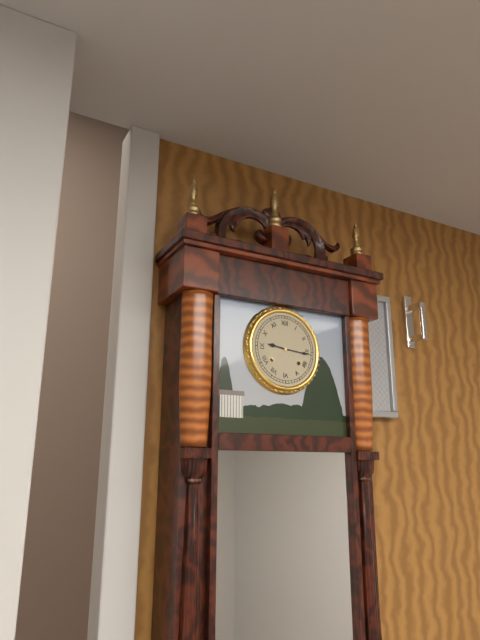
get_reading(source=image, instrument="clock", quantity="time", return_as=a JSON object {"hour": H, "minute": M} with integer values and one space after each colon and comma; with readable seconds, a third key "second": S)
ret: {"hour": 9, "minute": 16}
